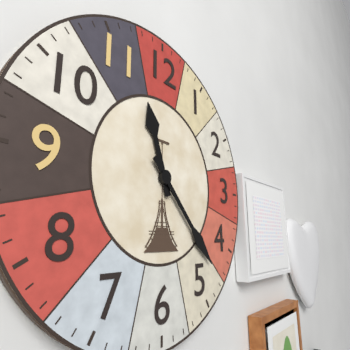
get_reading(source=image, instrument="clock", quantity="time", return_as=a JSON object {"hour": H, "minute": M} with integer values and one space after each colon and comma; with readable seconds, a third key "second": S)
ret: {"hour": 11, "minute": 23}
